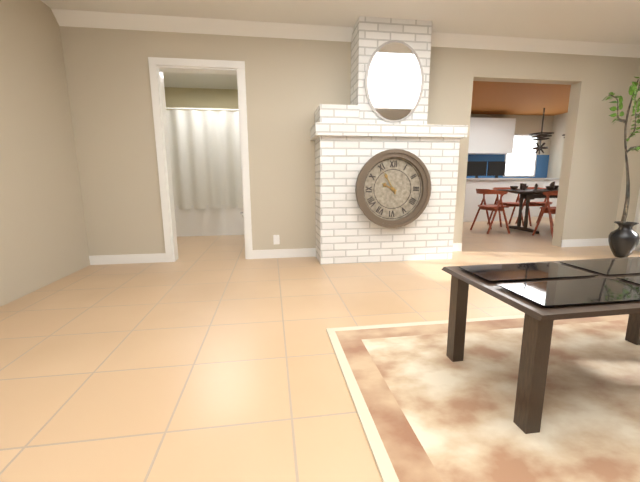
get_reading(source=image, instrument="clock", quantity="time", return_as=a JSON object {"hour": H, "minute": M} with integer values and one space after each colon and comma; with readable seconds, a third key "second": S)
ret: {"hour": 9, "minute": 55}
